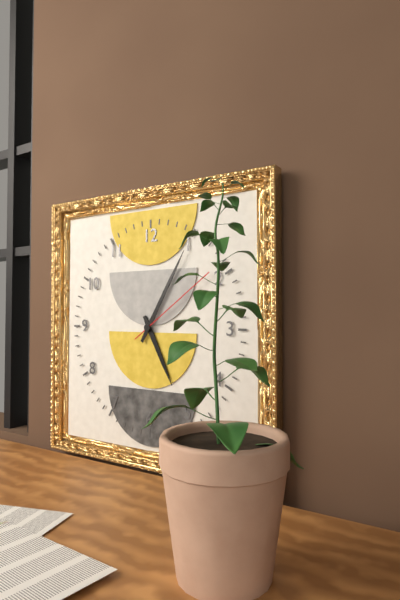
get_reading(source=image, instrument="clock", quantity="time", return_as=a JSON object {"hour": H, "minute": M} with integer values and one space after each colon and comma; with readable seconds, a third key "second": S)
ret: {"hour": 5, "minute": 5, "second": 9}
